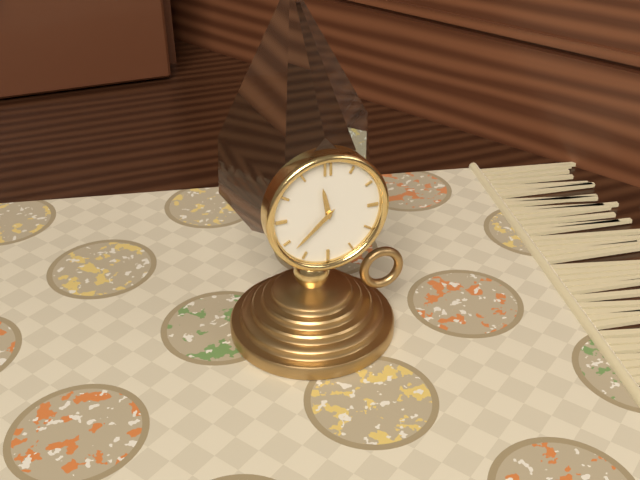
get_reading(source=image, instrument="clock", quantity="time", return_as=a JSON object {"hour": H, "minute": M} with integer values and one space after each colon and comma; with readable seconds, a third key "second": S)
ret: {"hour": 11, "minute": 38}
